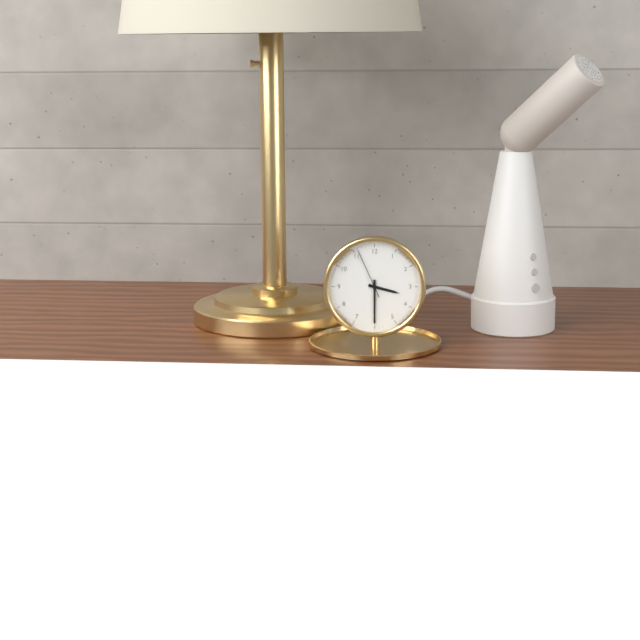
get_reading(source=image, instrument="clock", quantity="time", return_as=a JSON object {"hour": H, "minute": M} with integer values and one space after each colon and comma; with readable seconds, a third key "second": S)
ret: {"hour": 3, "minute": 30, "second": 56}
